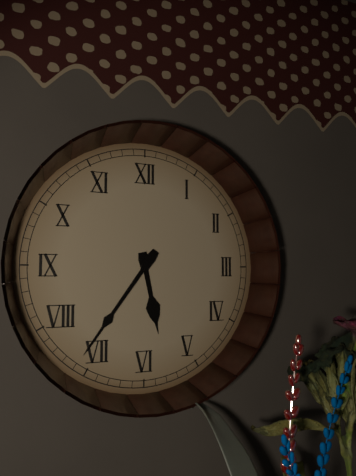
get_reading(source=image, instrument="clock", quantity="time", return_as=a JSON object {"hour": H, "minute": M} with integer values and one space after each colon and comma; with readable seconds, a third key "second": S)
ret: {"hour": 5, "minute": 36}
